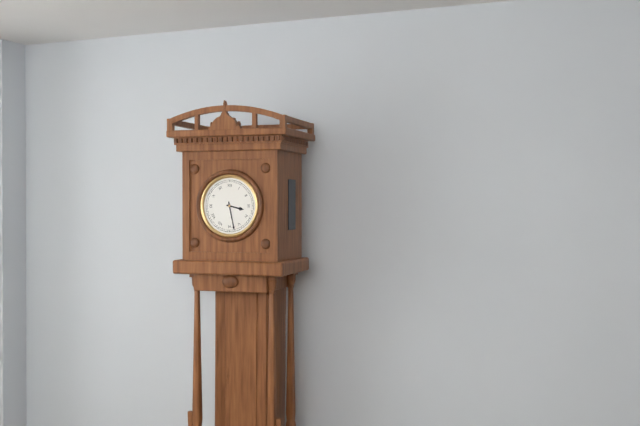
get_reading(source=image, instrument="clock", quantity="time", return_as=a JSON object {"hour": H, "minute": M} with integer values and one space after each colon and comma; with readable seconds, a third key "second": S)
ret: {"hour": 3, "minute": 28}
